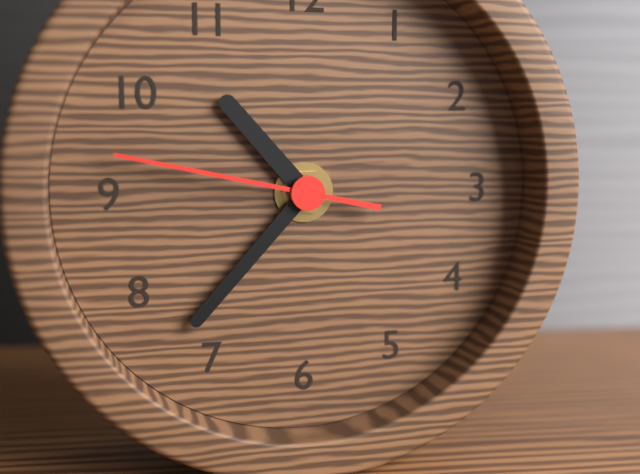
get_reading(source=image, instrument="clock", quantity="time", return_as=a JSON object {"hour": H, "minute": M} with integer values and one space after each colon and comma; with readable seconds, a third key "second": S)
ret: {"hour": 10, "minute": 37, "second": 47}
